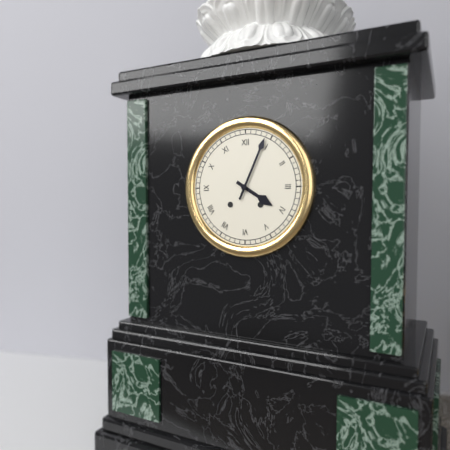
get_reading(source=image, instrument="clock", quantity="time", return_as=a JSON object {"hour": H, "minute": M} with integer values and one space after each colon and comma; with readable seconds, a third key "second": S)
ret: {"hour": 4, "minute": 4}
